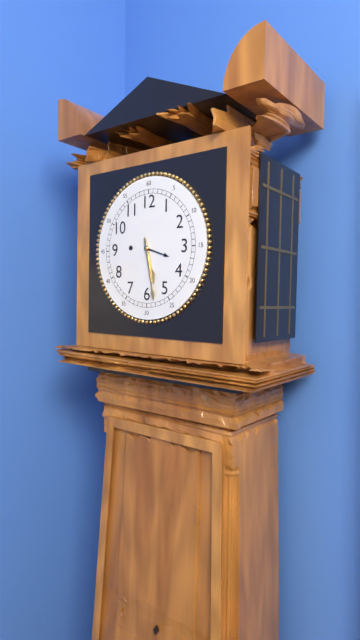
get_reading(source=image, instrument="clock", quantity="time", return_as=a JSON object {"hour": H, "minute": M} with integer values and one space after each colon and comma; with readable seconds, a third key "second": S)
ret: {"hour": 5, "minute": 28}
